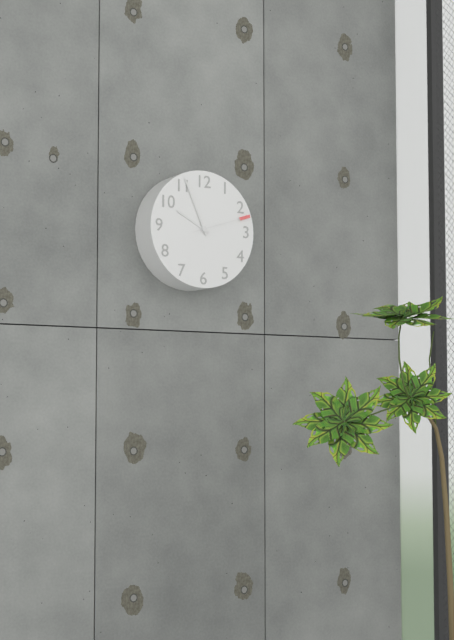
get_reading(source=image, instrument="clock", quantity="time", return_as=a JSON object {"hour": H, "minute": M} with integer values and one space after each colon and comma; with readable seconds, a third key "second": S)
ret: {"hour": 9, "minute": 56, "second": 12}
